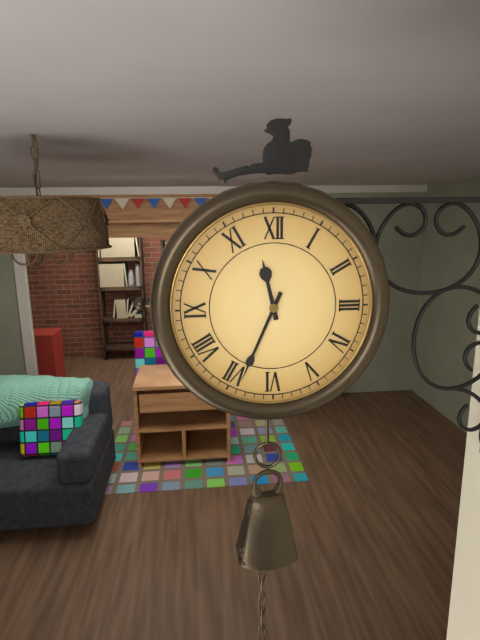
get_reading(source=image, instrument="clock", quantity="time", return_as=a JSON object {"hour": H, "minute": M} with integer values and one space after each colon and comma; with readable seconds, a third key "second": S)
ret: {"hour": 11, "minute": 34}
